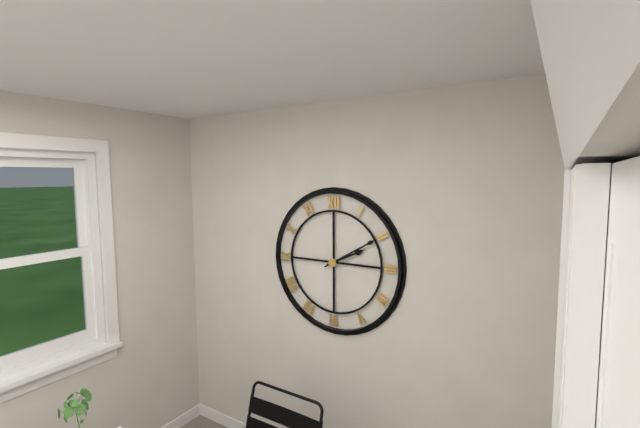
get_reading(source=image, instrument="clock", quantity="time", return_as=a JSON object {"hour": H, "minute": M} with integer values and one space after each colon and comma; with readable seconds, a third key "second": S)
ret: {"hour": 2, "minute": 10}
